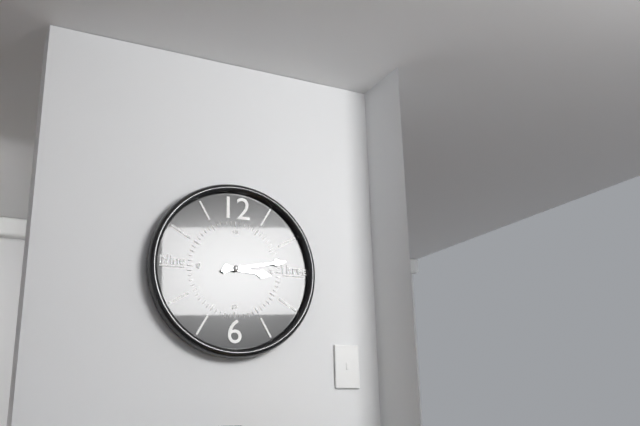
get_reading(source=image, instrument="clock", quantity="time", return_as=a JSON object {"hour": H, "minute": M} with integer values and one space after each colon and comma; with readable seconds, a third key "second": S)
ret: {"hour": 3, "minute": 13}
